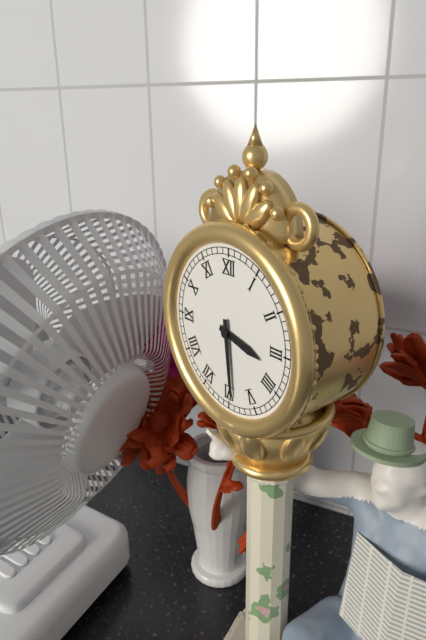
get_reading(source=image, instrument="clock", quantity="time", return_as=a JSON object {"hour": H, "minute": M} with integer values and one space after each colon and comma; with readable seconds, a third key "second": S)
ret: {"hour": 3, "minute": 29}
